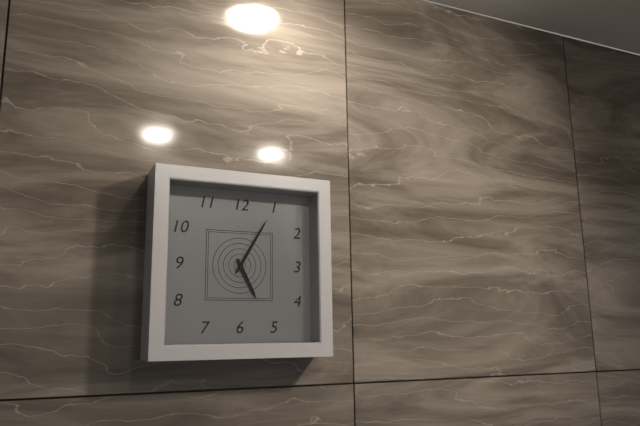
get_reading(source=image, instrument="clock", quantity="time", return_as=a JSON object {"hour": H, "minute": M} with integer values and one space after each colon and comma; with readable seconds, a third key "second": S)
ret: {"hour": 5, "minute": 5}
